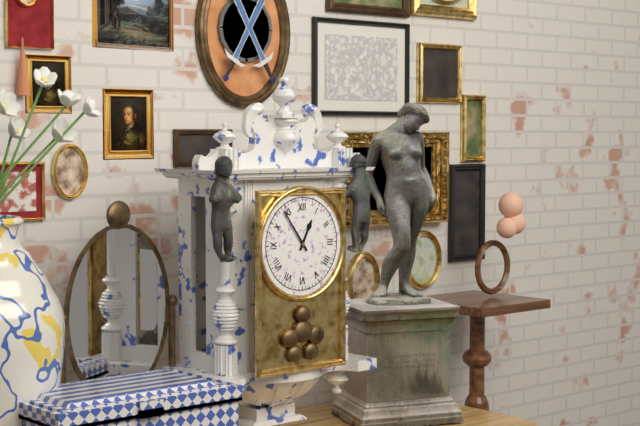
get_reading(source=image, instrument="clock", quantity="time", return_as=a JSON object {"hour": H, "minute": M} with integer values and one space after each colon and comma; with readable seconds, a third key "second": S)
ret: {"hour": 12, "minute": 54}
